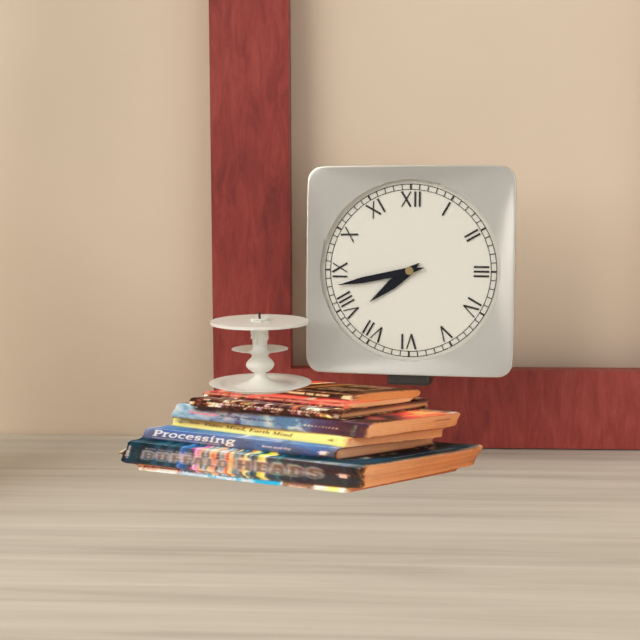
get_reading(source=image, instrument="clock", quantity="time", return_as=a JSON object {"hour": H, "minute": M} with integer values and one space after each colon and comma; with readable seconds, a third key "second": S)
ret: {"hour": 7, "minute": 43}
